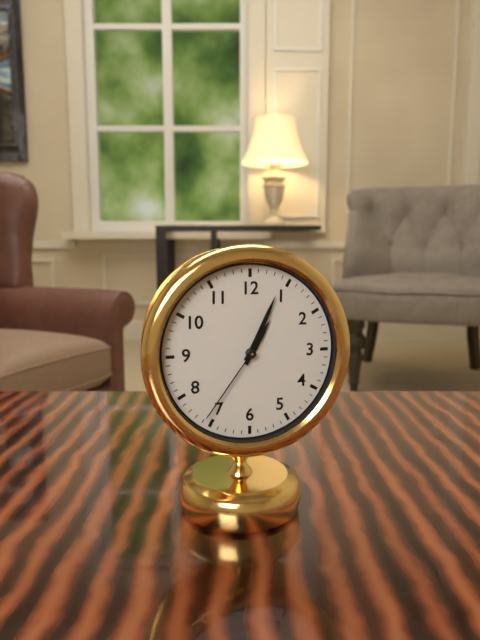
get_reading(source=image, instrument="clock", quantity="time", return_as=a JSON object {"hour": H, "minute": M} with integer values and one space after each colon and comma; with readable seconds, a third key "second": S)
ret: {"hour": 1, "minute": 4, "second": 36}
